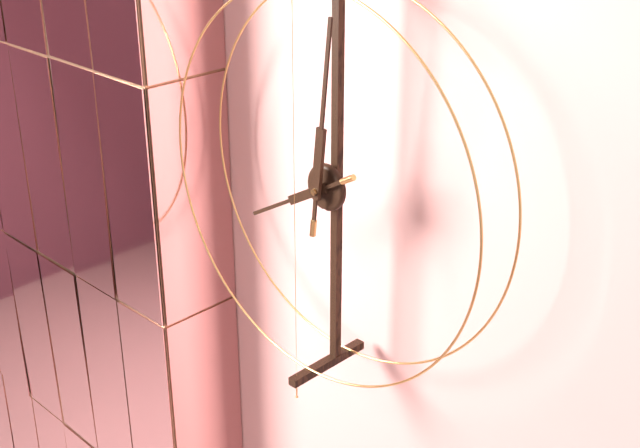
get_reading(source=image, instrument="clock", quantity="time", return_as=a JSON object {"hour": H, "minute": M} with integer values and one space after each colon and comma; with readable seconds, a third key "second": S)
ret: {"hour": 8, "minute": 1}
